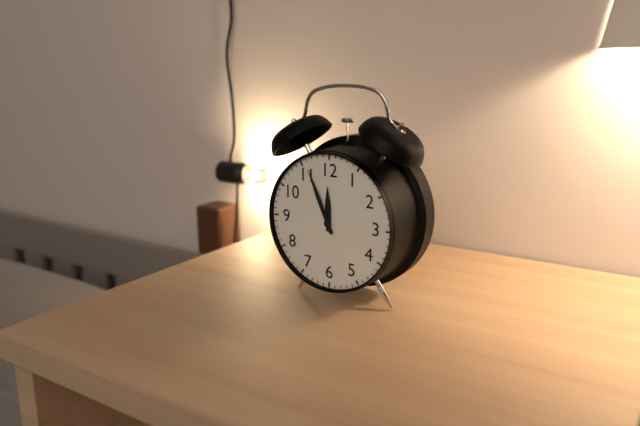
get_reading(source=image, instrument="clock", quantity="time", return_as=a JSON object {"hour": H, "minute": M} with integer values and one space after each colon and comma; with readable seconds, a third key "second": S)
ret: {"hour": 11, "minute": 56}
